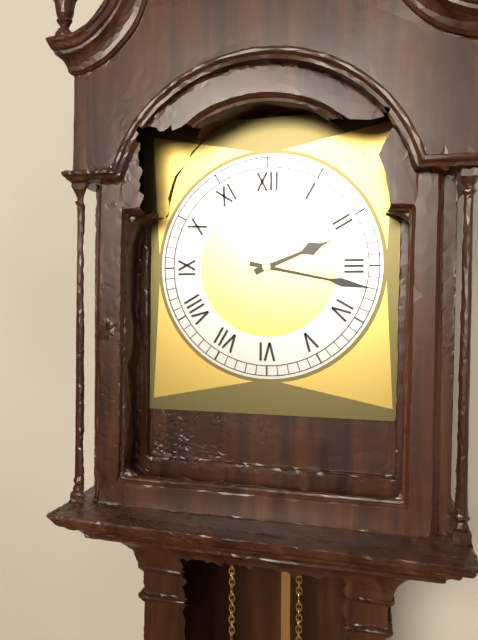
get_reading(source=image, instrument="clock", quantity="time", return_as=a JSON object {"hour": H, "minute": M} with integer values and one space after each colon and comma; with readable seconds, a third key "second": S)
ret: {"hour": 2, "minute": 17}
